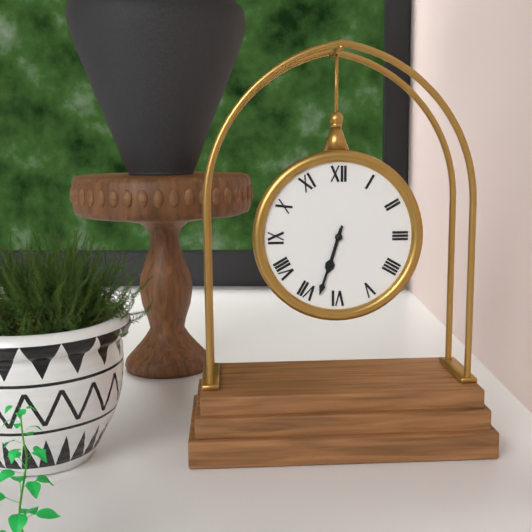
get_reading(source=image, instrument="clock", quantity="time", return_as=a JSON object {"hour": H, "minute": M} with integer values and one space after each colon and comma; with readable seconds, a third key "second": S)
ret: {"hour": 6, "minute": 33}
